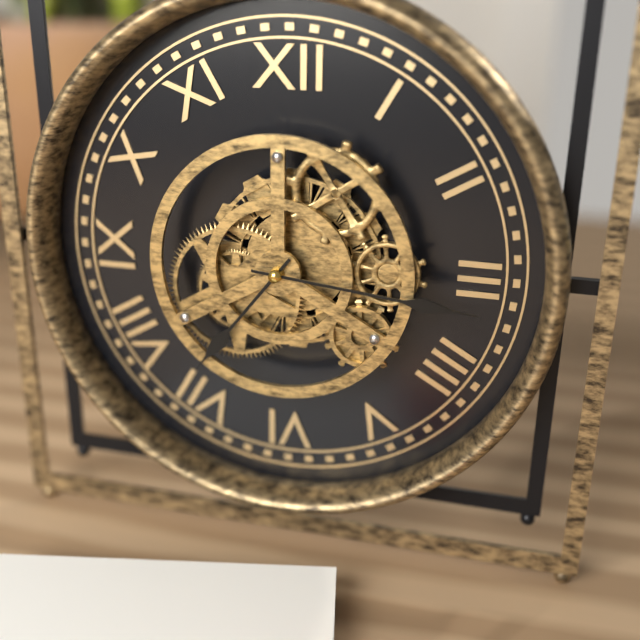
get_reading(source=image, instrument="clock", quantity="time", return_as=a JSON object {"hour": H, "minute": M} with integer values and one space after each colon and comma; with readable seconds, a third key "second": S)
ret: {"hour": 7, "minute": 16}
